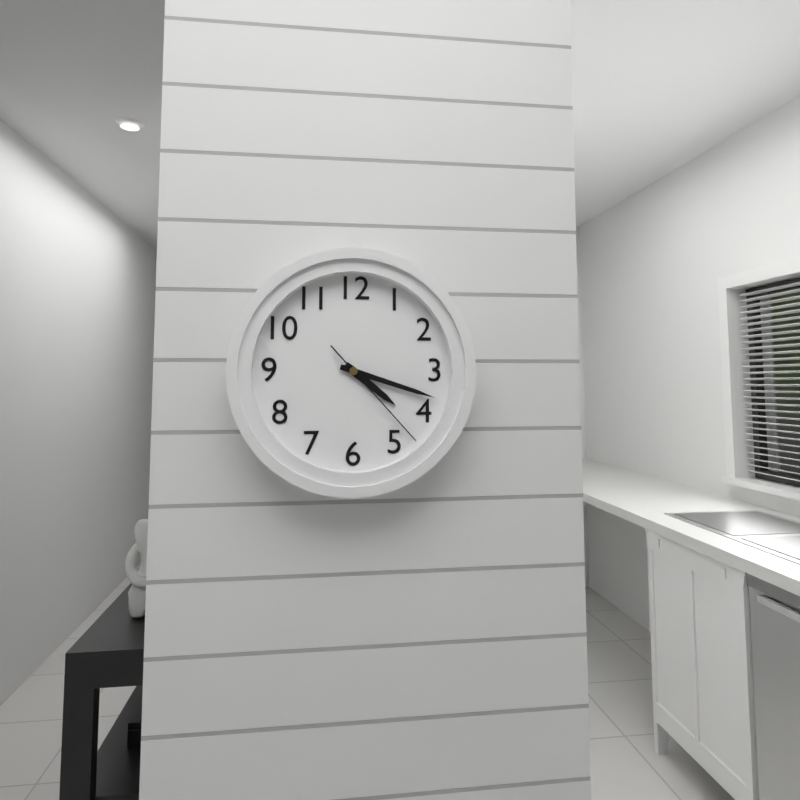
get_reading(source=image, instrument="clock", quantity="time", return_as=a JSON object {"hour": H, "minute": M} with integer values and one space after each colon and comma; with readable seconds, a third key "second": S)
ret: {"hour": 4, "minute": 18, "second": 23}
